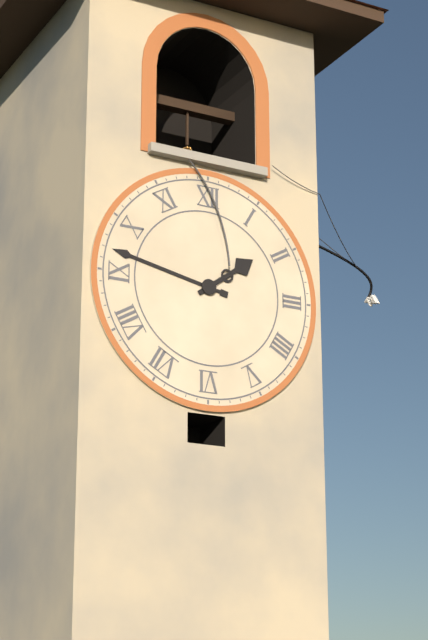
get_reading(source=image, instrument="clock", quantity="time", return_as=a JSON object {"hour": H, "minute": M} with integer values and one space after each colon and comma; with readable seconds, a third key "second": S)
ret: {"hour": 1, "minute": 47}
